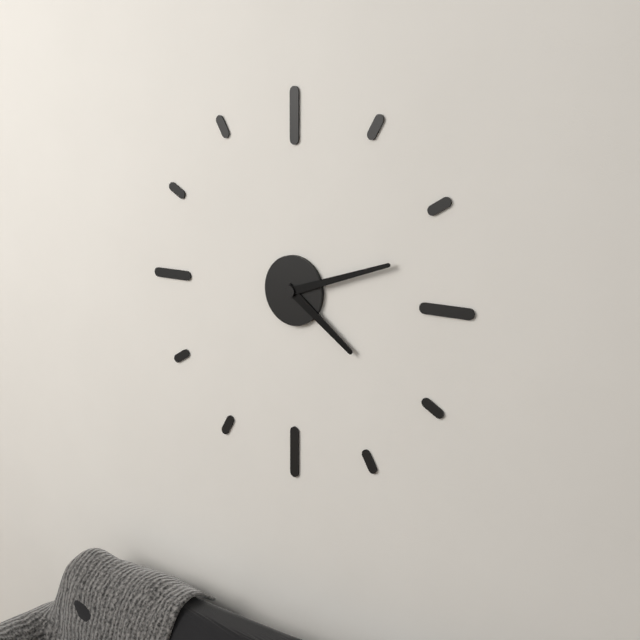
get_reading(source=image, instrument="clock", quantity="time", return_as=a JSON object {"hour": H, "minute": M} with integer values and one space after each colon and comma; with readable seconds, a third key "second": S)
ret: {"hour": 4, "minute": 12}
